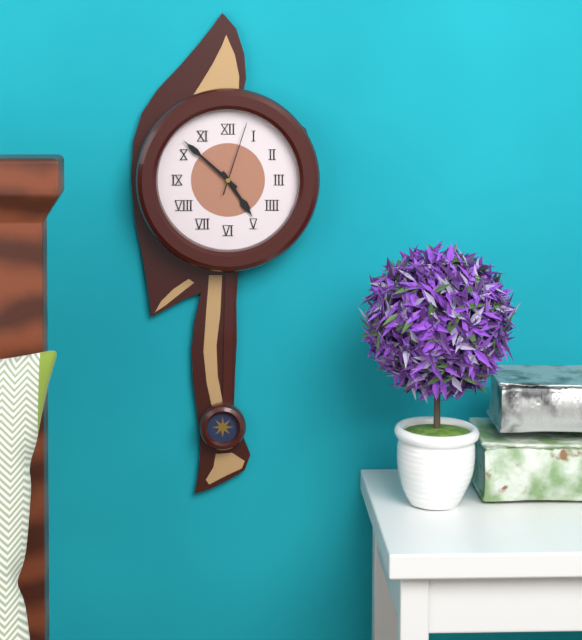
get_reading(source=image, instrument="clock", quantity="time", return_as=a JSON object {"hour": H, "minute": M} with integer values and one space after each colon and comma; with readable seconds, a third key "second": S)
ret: {"hour": 4, "minute": 52, "second": 3}
